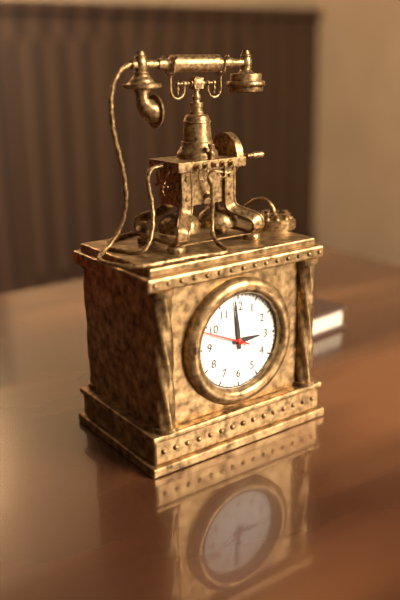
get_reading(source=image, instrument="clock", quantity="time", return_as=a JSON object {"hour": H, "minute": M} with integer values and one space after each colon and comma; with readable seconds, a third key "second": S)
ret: {"hour": 2, "minute": 59}
